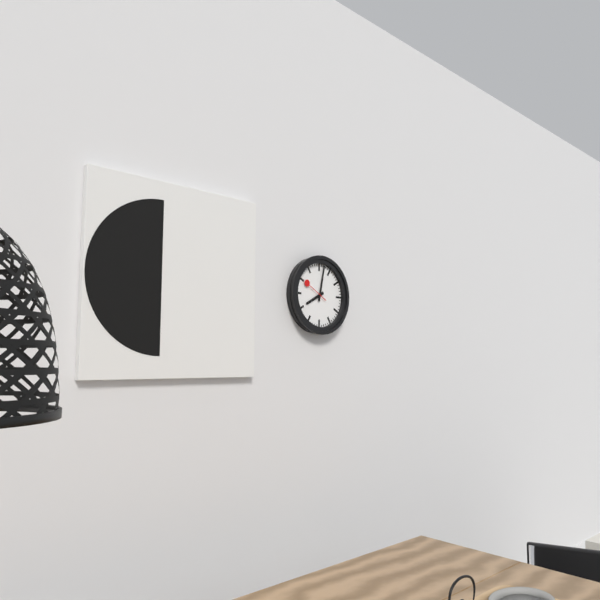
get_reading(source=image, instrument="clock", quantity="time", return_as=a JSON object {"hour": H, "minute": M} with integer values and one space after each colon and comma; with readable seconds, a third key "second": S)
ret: {"hour": 8, "minute": 2}
